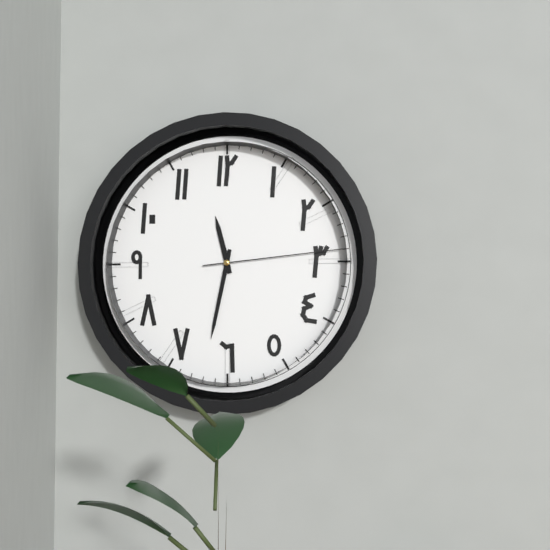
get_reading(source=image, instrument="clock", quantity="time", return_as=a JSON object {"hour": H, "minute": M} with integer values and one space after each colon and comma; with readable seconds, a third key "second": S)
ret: {"hour": 11, "minute": 32, "second": 14}
